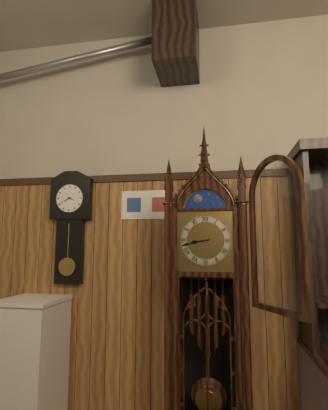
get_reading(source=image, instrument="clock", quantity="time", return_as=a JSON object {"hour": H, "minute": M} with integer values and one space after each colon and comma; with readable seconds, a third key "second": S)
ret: {"hour": 8, "minute": 43}
